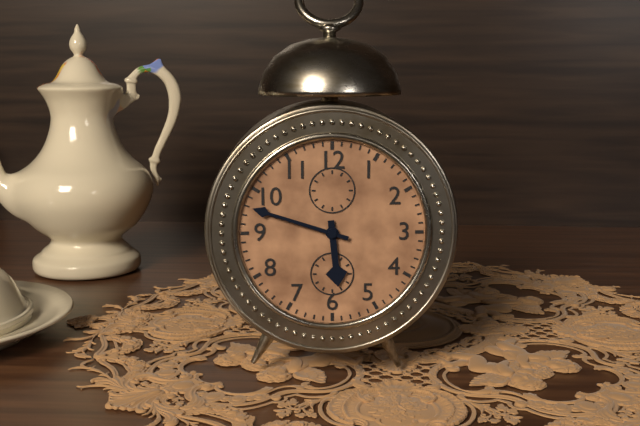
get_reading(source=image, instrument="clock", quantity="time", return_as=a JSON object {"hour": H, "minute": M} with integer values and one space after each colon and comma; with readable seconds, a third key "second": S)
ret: {"hour": 5, "minute": 48}
